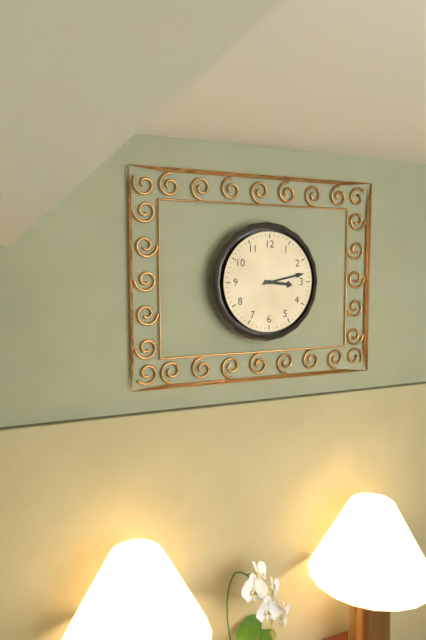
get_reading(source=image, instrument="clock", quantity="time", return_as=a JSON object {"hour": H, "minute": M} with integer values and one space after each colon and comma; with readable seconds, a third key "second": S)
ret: {"hour": 3, "minute": 13}
